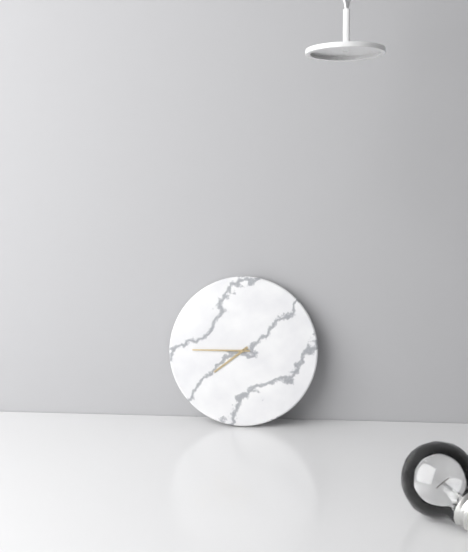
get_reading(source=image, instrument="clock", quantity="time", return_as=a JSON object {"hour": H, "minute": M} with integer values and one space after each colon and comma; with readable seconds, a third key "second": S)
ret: {"hour": 7, "minute": 45}
